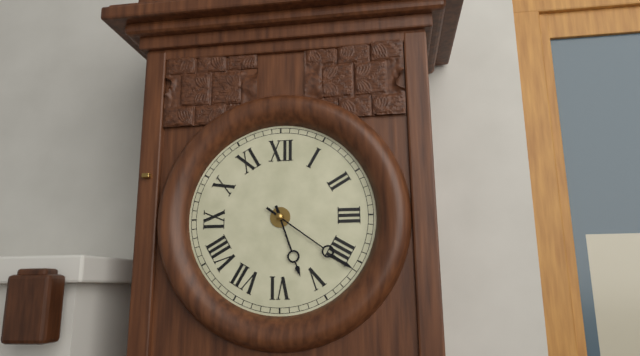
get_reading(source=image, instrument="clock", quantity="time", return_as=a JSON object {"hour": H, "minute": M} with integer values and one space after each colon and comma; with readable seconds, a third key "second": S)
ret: {"hour": 5, "minute": 21}
